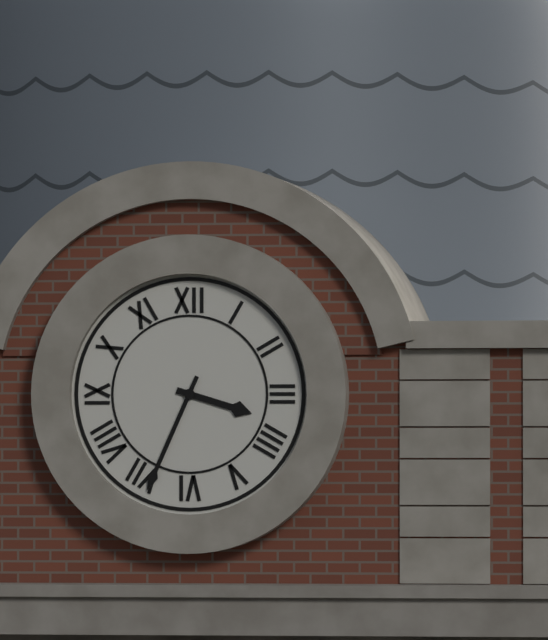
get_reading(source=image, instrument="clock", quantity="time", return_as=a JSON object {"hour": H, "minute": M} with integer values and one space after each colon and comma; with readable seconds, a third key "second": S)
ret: {"hour": 3, "minute": 34}
